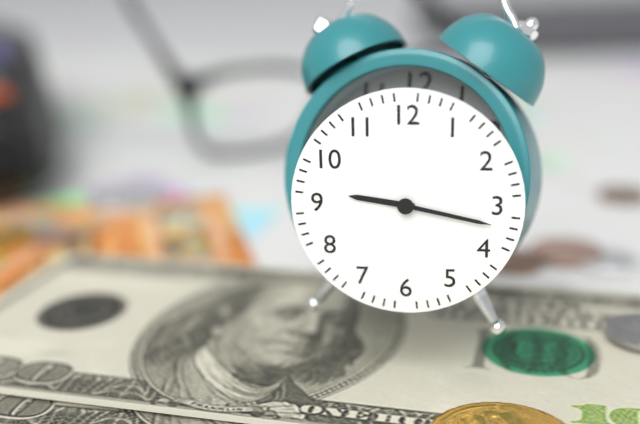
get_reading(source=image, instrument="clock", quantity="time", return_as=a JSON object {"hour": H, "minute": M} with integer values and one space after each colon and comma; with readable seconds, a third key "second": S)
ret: {"hour": 9, "minute": 17}
